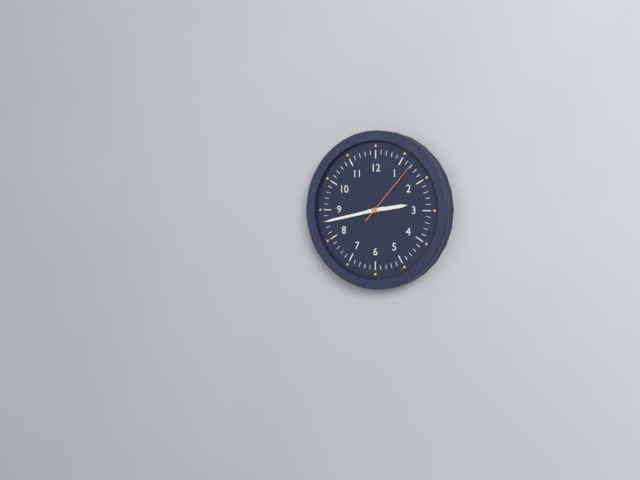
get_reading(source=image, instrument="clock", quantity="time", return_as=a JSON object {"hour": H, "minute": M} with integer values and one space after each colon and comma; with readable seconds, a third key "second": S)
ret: {"hour": 2, "minute": 43, "second": 7}
